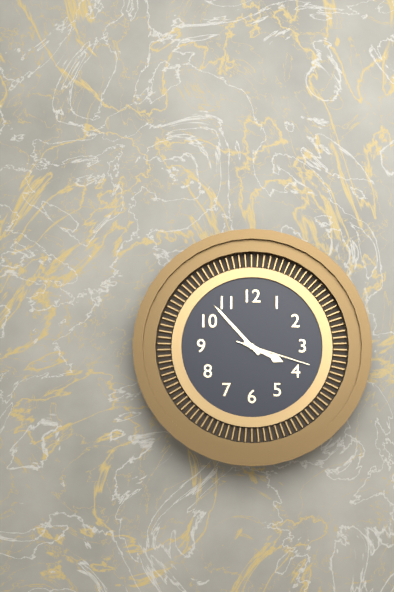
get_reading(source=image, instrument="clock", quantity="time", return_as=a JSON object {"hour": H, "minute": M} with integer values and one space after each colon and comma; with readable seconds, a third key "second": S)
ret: {"hour": 3, "minute": 53, "second": 18}
